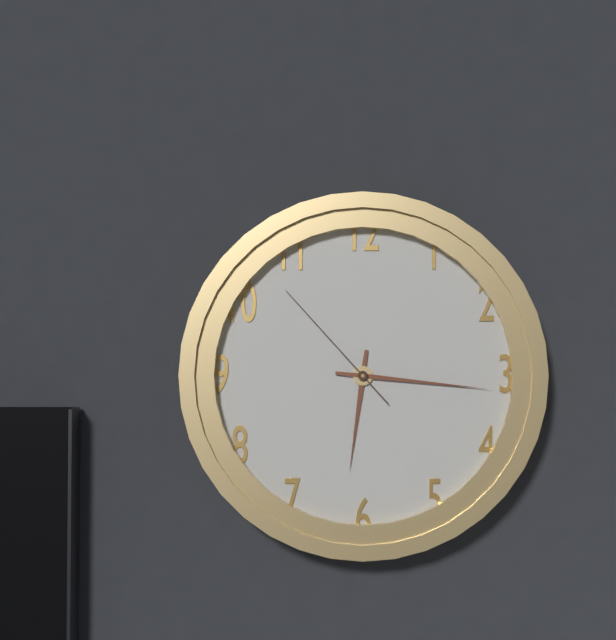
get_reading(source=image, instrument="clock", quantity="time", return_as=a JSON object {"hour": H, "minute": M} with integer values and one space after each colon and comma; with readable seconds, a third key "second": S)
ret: {"hour": 6, "minute": 16, "second": 53}
